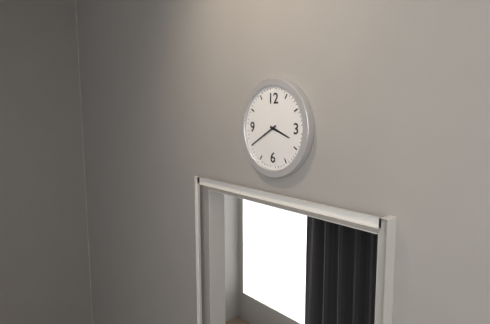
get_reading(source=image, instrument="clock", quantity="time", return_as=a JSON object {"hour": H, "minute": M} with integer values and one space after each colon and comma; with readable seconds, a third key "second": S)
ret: {"hour": 3, "minute": 40}
